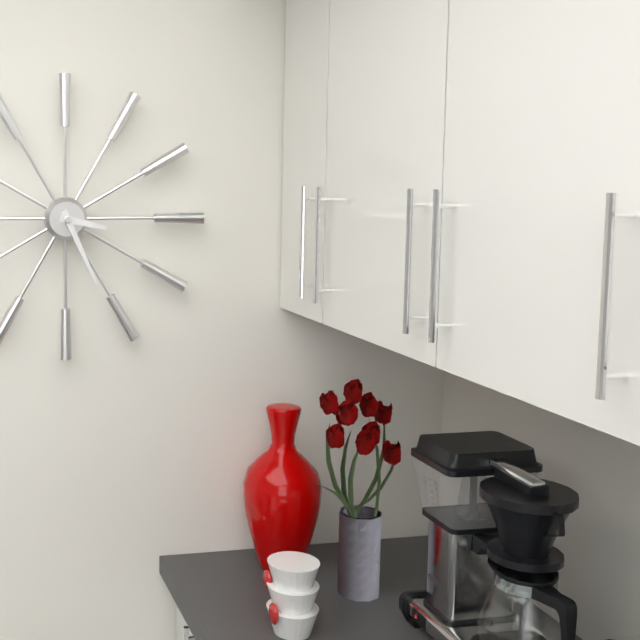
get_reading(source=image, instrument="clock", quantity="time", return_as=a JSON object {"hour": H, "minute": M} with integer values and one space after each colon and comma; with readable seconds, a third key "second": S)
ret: {"hour": 3, "minute": 26}
